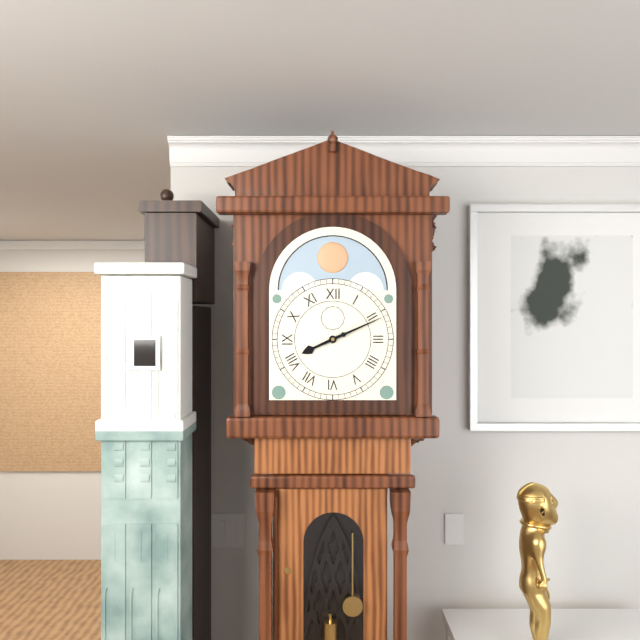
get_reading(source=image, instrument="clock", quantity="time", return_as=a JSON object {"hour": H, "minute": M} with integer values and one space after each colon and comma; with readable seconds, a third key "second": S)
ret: {"hour": 8, "minute": 11}
